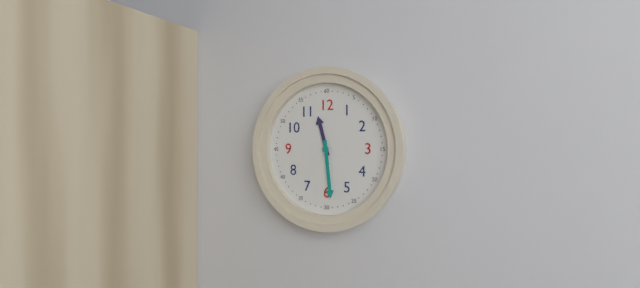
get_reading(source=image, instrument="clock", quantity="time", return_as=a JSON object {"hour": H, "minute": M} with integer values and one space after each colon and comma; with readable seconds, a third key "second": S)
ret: {"hour": 11, "minute": 29}
